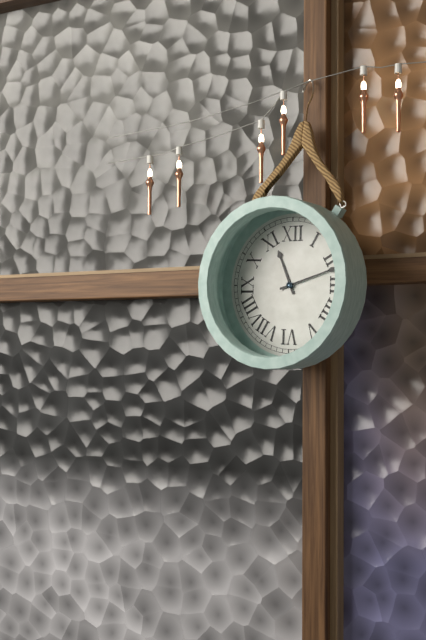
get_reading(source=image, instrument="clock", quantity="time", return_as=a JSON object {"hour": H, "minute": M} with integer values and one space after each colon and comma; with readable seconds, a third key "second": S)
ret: {"hour": 11, "minute": 12}
